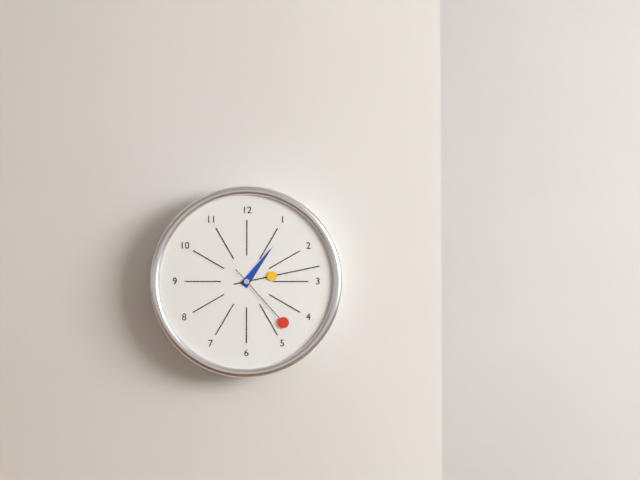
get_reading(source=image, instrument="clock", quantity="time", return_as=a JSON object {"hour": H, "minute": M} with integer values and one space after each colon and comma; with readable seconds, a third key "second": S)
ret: {"hour": 1, "minute": 13, "second": 23}
